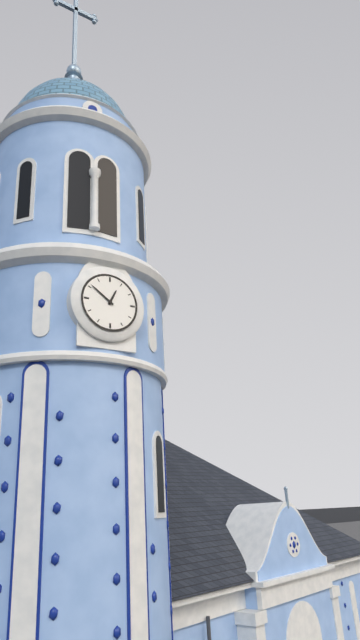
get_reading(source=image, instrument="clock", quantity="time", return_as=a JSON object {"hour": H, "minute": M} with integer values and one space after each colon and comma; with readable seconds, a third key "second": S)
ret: {"hour": 12, "minute": 51}
